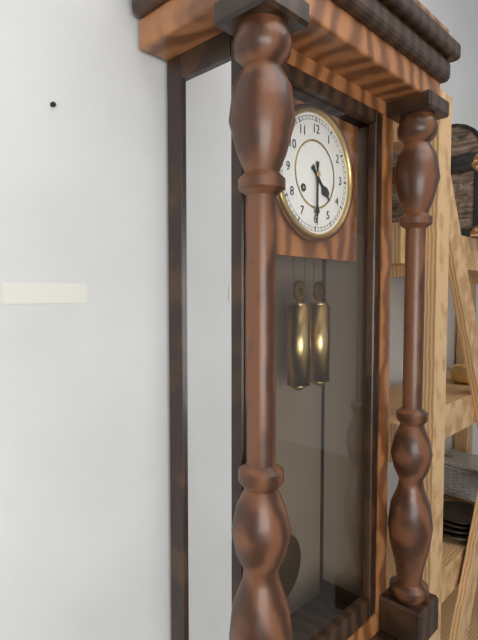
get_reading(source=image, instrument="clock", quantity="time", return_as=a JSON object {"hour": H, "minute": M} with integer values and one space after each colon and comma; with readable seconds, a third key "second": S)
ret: {"hour": 4, "minute": 30}
